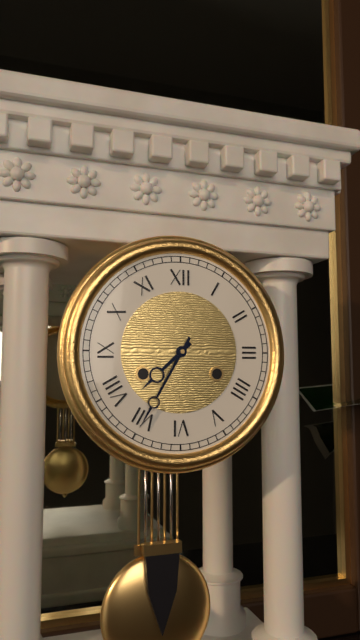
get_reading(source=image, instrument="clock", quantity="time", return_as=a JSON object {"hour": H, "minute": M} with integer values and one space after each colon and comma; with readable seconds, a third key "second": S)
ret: {"hour": 7, "minute": 35}
